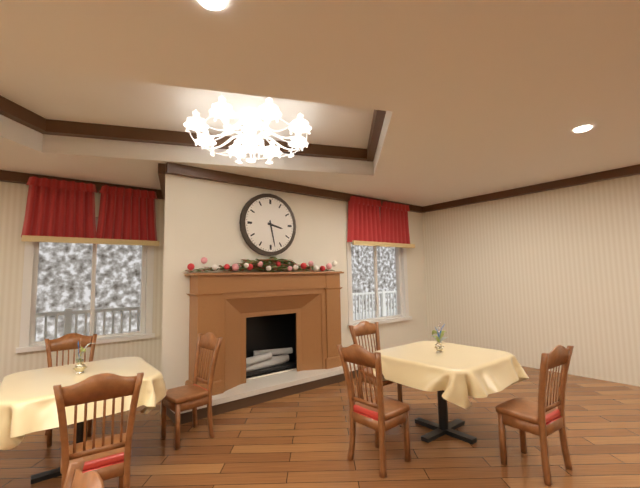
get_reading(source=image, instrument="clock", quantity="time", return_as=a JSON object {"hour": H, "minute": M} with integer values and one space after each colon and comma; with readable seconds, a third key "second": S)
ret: {"hour": 3, "minute": 28}
